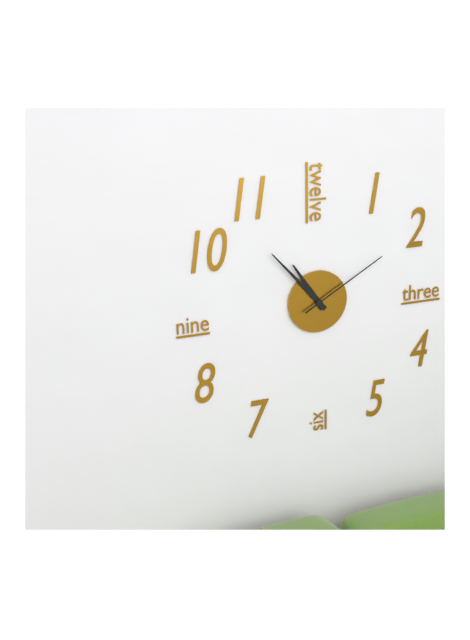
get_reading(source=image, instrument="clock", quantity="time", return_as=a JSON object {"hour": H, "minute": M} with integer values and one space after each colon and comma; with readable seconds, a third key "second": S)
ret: {"hour": 10, "minute": 53, "second": 10}
